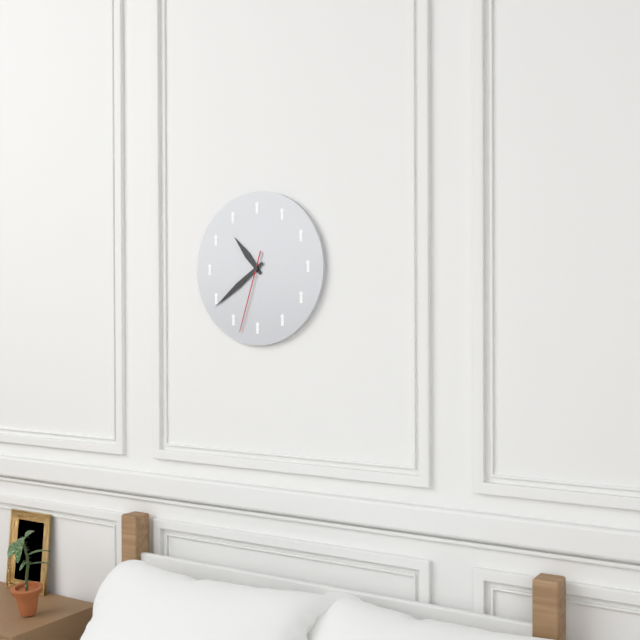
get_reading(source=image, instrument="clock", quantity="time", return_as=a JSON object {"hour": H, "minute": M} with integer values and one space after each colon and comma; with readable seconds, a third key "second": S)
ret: {"hour": 10, "minute": 39, "second": 33}
